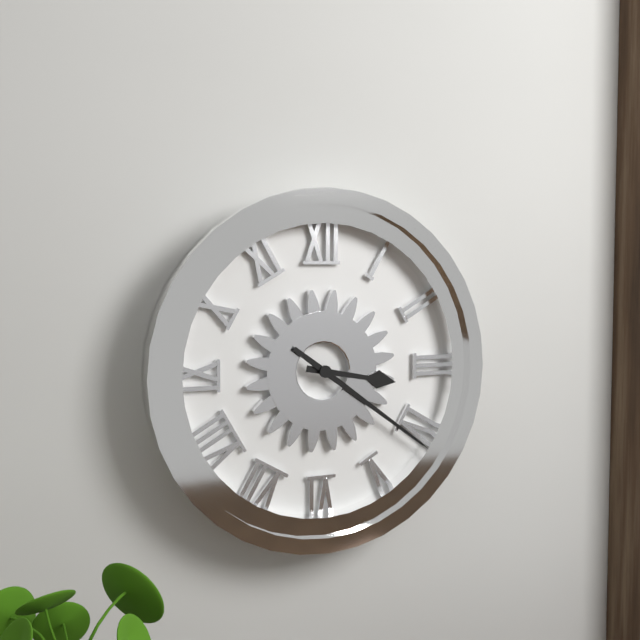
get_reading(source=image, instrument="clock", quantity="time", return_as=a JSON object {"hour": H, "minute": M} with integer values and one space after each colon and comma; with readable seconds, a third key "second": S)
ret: {"hour": 3, "minute": 21}
